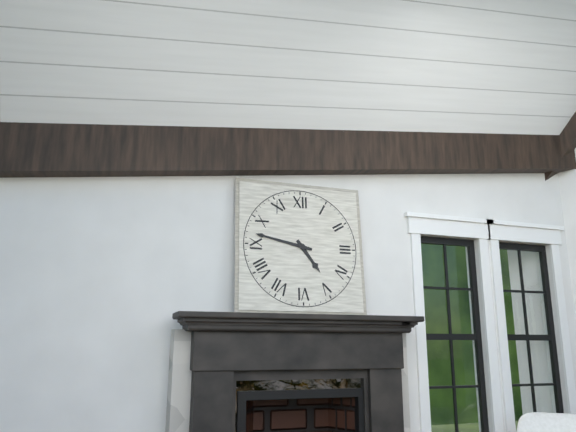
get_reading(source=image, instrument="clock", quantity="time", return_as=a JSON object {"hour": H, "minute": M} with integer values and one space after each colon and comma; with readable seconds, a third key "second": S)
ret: {"hour": 4, "minute": 47}
